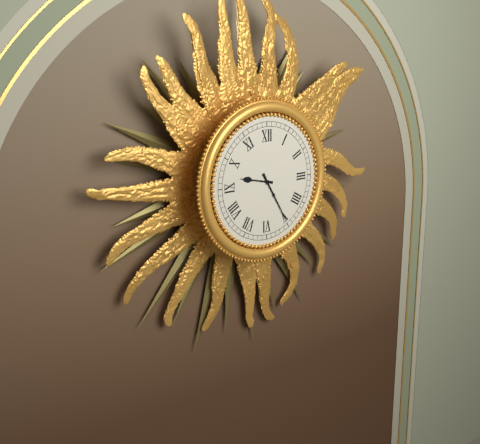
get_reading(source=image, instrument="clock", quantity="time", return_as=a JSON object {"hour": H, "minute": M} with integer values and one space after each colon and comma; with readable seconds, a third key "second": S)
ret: {"hour": 9, "minute": 25}
